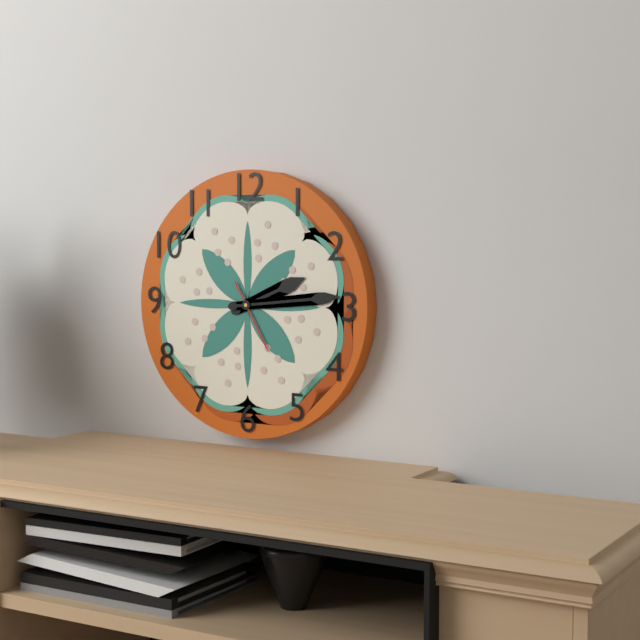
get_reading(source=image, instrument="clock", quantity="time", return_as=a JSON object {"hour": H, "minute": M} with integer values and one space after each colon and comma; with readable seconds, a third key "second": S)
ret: {"hour": 2, "minute": 14, "second": 25}
